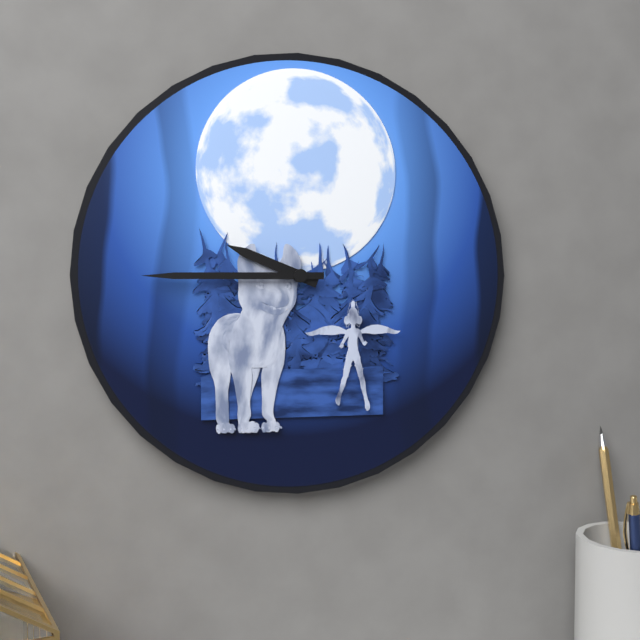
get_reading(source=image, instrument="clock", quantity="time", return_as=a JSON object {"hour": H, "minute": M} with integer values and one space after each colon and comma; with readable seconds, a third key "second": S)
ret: {"hour": 9, "minute": 45}
